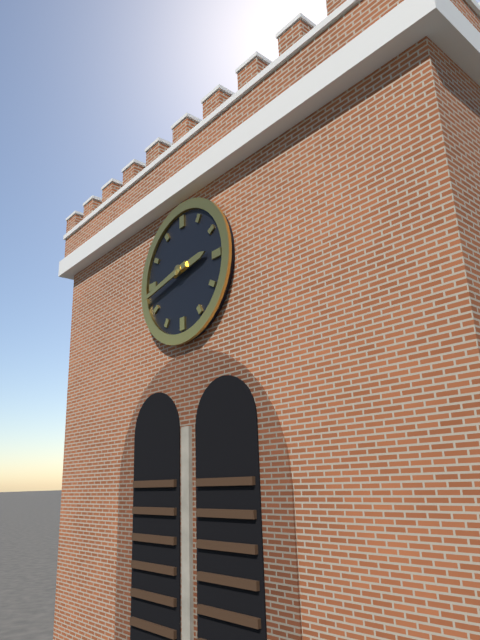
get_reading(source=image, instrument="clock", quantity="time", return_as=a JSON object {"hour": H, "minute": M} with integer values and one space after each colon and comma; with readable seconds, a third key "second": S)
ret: {"hour": 2, "minute": 43}
